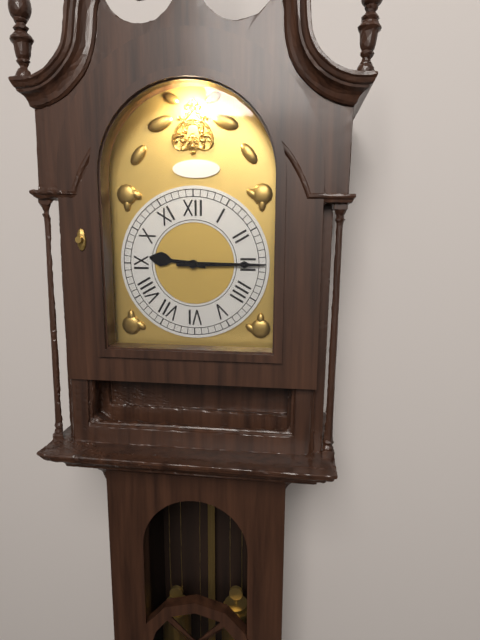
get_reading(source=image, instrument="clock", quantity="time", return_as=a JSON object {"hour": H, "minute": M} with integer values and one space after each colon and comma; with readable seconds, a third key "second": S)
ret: {"hour": 9, "minute": 15}
